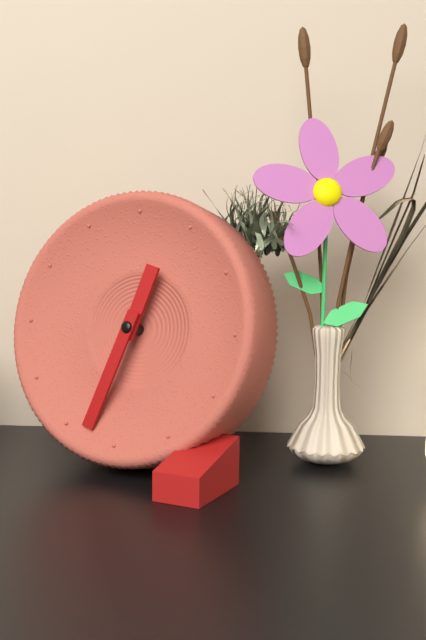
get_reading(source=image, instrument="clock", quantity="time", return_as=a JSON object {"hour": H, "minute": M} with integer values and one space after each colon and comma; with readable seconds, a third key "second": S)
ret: {"hour": 12, "minute": 33}
